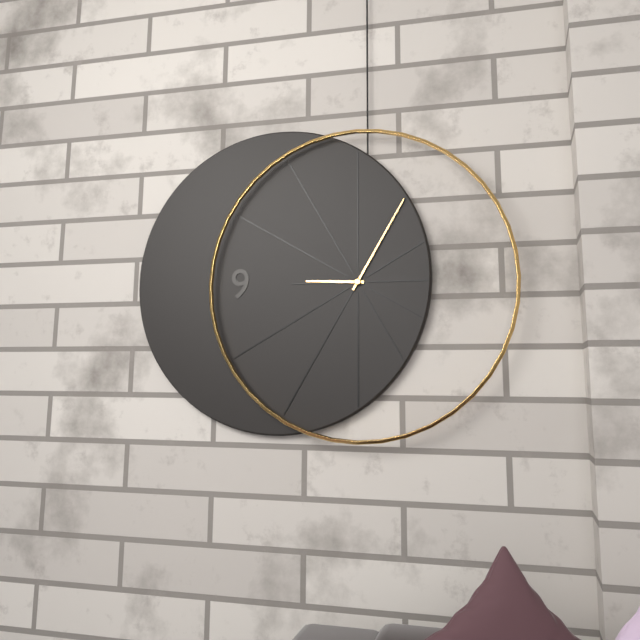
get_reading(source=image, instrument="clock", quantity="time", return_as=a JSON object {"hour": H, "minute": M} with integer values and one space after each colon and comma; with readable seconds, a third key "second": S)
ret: {"hour": 9, "minute": 5}
